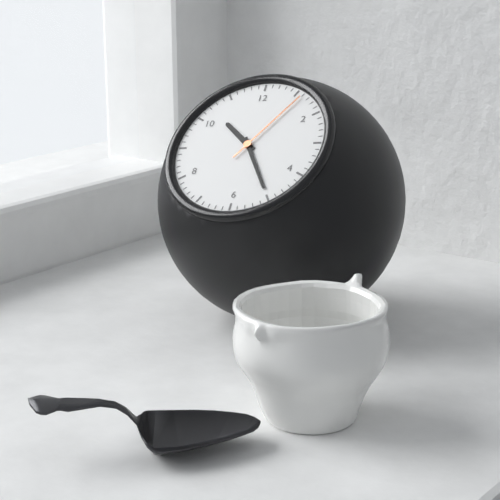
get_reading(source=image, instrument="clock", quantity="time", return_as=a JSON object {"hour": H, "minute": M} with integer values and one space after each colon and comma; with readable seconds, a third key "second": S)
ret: {"hour": 10, "minute": 25, "second": 6}
